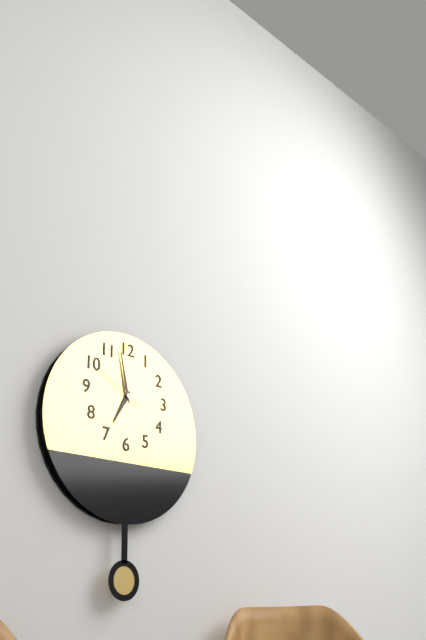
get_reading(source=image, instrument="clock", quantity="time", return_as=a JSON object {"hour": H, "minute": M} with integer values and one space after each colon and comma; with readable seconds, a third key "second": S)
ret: {"hour": 6, "minute": 58, "second": 50}
